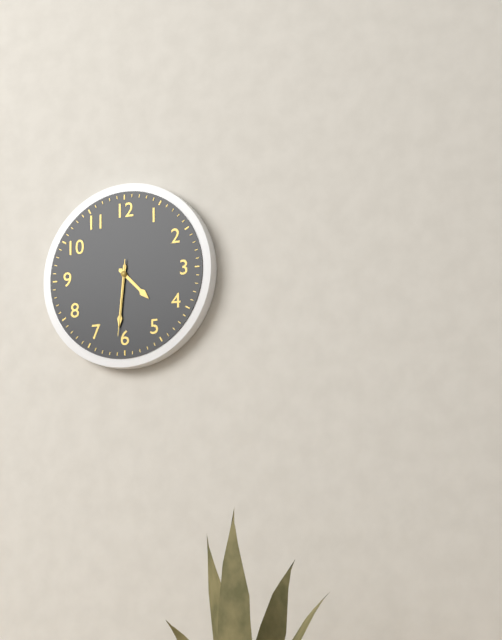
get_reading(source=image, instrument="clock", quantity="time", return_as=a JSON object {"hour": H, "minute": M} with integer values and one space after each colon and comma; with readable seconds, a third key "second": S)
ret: {"hour": 4, "minute": 31, "second": 31}
